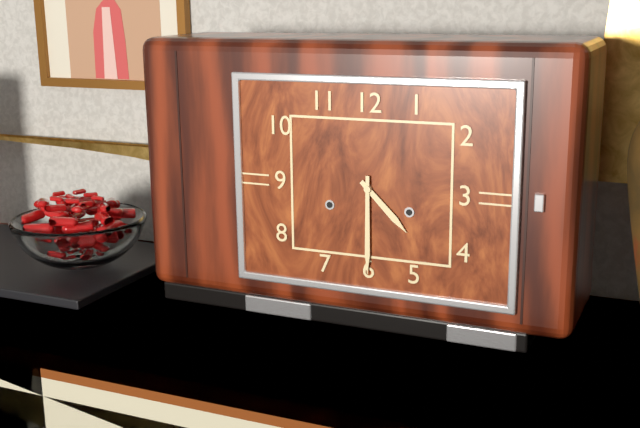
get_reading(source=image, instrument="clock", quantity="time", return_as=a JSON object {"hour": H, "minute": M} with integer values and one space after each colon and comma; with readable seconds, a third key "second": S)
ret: {"hour": 4, "minute": 30}
